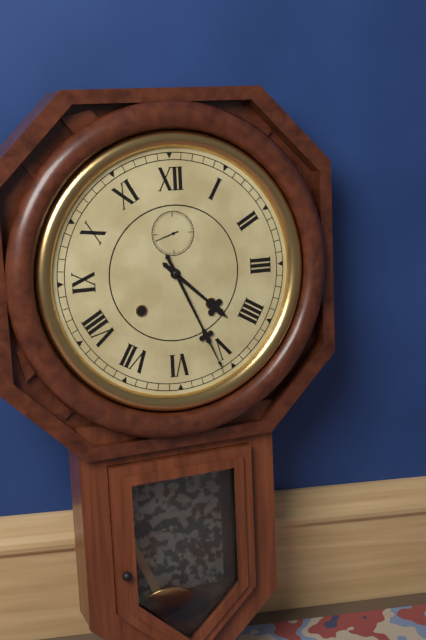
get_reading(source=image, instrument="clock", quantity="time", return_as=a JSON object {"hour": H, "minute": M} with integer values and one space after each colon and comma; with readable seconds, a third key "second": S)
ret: {"hour": 4, "minute": 26}
